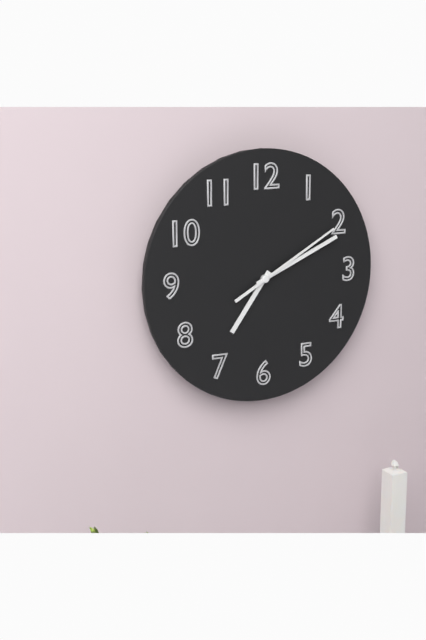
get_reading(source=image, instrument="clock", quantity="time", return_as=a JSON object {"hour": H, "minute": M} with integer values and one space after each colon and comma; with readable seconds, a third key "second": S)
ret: {"hour": 7, "minute": 11, "second": 10}
